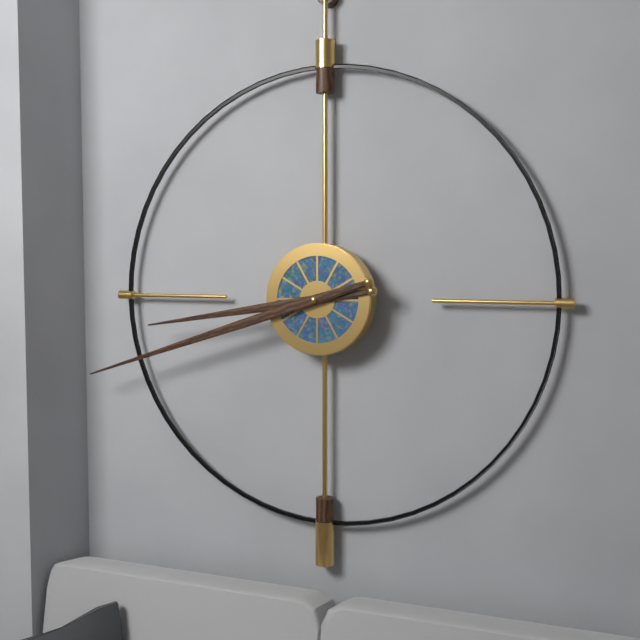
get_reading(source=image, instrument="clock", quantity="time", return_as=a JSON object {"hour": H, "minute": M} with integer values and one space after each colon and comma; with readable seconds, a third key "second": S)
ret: {"hour": 8, "minute": 42}
